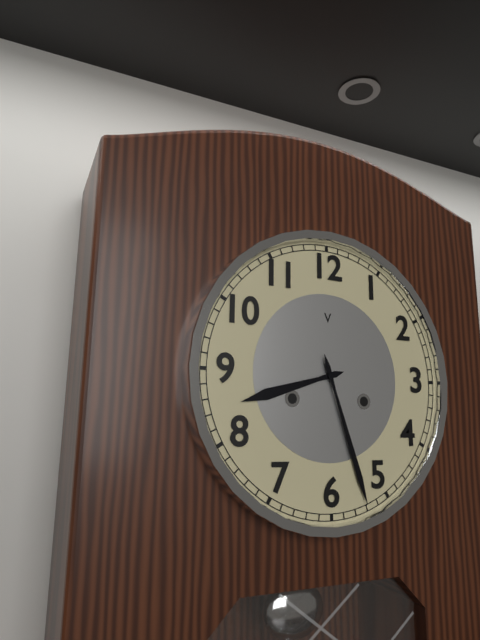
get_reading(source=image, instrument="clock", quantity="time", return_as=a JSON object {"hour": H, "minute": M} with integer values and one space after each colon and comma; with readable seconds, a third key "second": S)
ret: {"hour": 8, "minute": 27}
